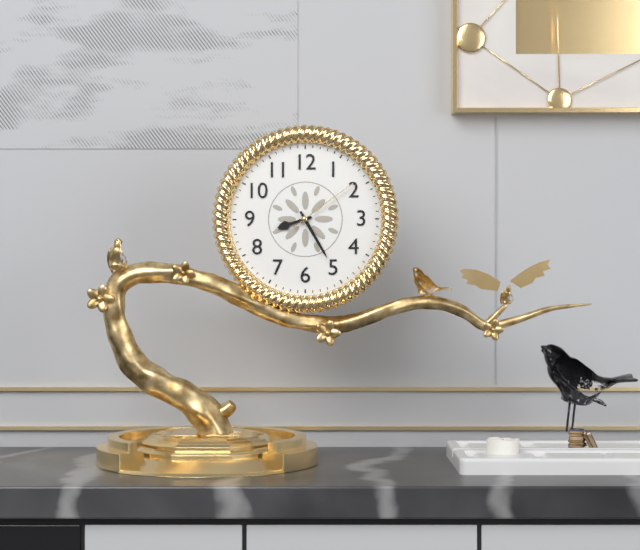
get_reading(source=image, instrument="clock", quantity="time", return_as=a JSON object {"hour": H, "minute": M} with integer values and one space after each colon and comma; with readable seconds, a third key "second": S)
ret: {"hour": 8, "minute": 25, "second": 9}
